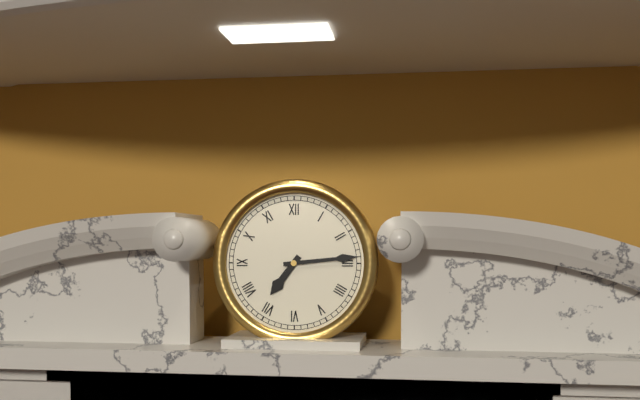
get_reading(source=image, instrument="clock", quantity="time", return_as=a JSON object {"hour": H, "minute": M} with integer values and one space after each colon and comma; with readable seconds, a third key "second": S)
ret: {"hour": 7, "minute": 14}
